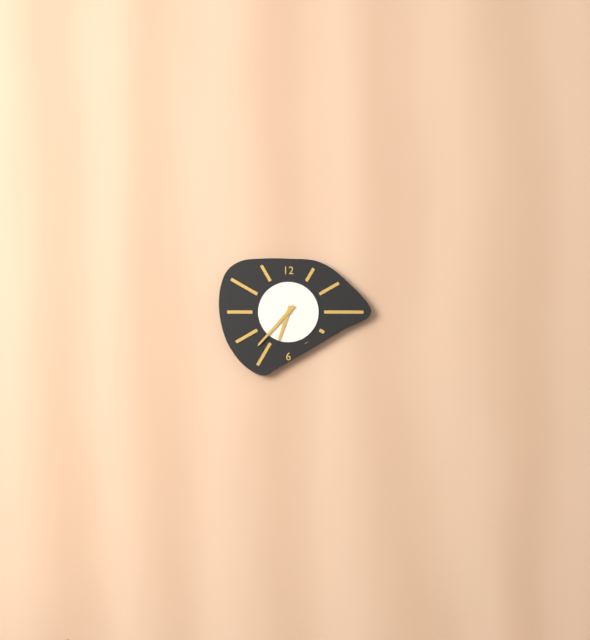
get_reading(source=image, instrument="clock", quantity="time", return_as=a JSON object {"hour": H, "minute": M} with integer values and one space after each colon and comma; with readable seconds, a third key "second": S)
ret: {"hour": 6, "minute": 37}
